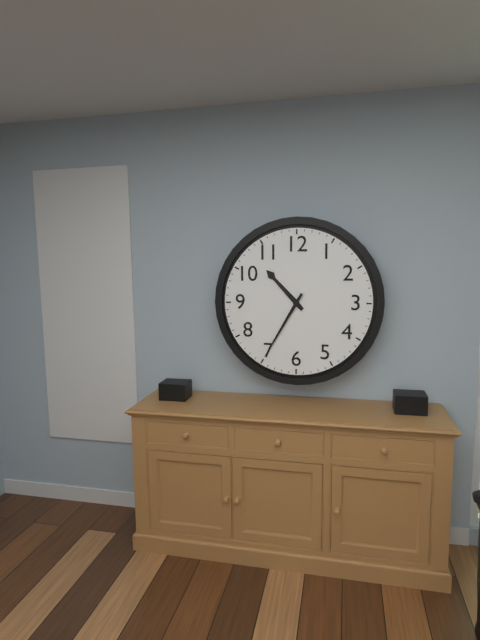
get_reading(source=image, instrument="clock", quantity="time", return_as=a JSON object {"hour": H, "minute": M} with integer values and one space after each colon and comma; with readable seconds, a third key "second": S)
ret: {"hour": 10, "minute": 35}
